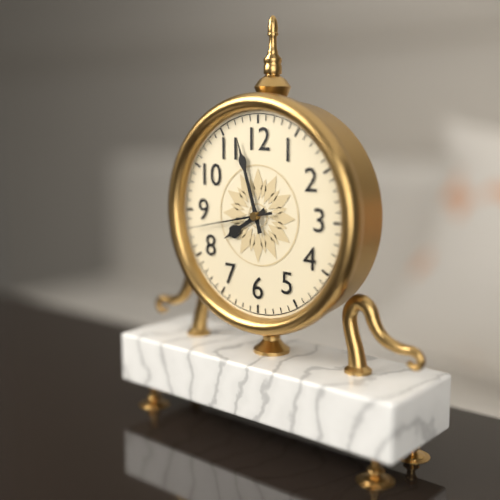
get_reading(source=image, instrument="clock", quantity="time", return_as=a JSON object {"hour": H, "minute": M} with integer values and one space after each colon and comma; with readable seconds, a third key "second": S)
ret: {"hour": 7, "minute": 57, "second": 43}
